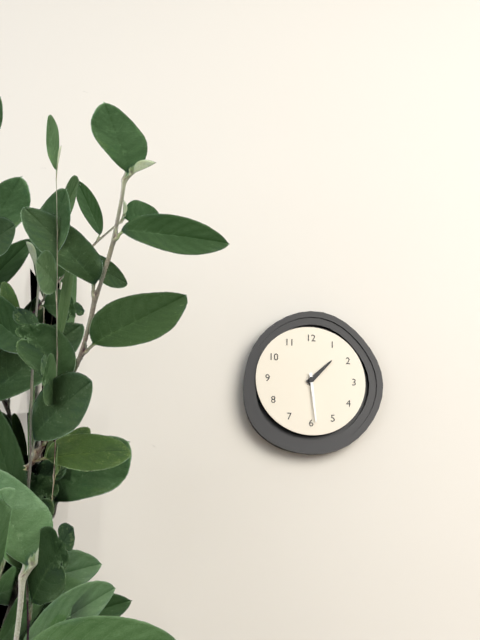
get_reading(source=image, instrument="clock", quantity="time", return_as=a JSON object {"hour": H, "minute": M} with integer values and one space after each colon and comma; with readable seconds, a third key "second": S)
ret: {"hour": 1, "minute": 29}
